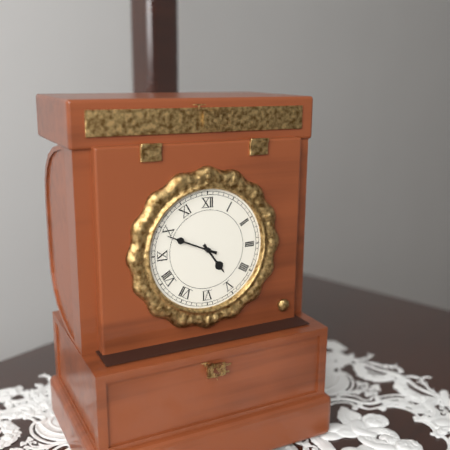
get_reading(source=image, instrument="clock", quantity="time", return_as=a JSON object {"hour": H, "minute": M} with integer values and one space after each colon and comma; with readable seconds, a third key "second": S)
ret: {"hour": 4, "minute": 49}
